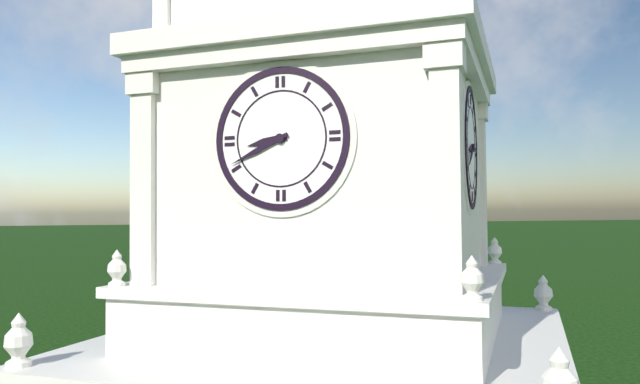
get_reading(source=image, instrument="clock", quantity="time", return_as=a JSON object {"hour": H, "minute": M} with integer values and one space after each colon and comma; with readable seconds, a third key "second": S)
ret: {"hour": 8, "minute": 41}
